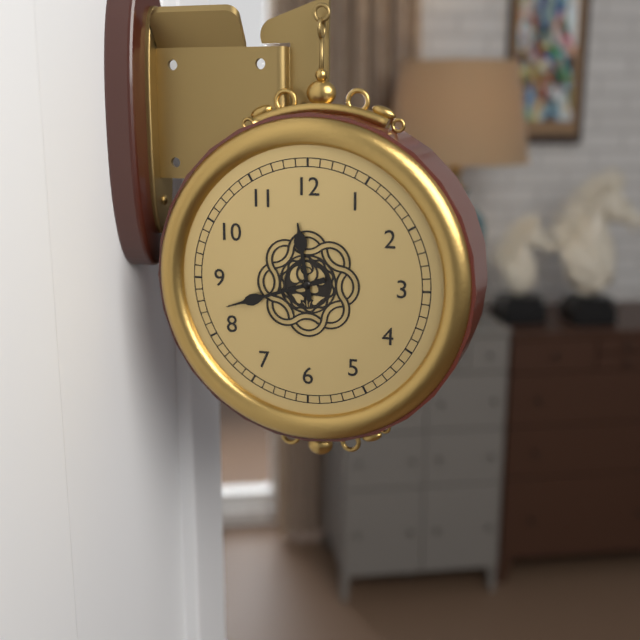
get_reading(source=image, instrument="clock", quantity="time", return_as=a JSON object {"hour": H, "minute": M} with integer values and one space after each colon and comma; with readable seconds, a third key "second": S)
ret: {"hour": 11, "minute": 42}
